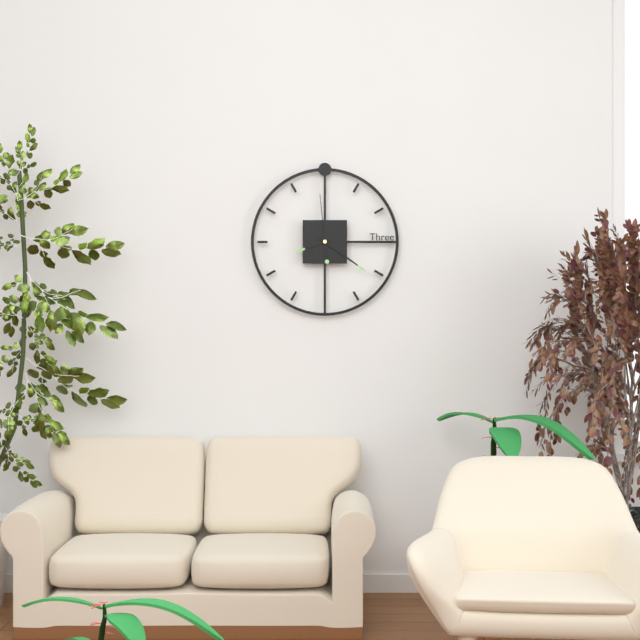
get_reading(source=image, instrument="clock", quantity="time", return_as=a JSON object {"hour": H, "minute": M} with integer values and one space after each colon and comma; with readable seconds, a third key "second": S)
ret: {"hour": 8, "minute": 21, "second": 59}
